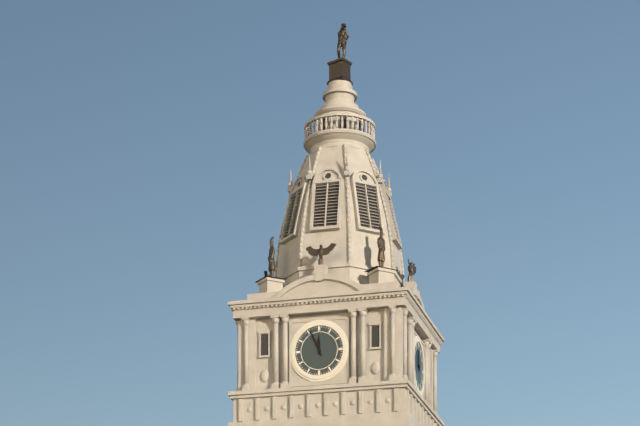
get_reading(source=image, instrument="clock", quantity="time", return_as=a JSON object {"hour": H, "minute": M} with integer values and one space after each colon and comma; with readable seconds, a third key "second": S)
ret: {"hour": 11, "minute": 56}
